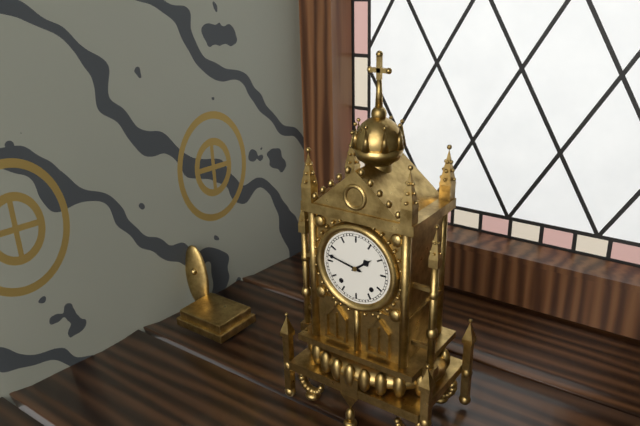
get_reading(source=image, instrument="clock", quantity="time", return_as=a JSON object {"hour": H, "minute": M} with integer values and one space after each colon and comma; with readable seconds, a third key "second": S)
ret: {"hour": 1, "minute": 47}
